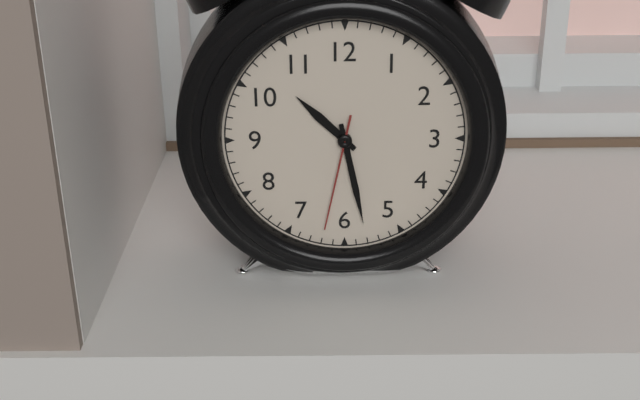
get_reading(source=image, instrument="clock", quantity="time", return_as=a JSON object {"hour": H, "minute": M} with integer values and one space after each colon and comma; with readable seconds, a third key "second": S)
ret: {"hour": 10, "minute": 28, "second": 32}
